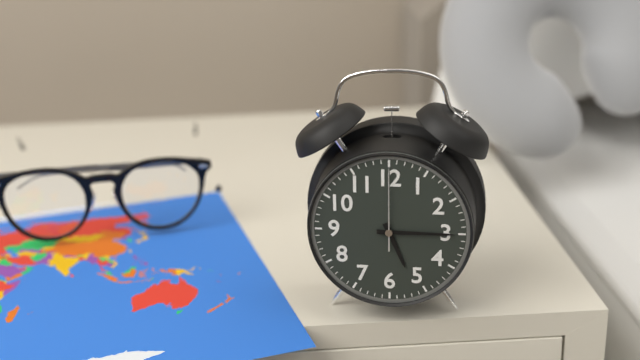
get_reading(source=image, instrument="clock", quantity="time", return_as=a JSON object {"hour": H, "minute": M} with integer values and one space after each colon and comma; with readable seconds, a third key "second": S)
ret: {"hour": 5, "minute": 15, "second": 0}
